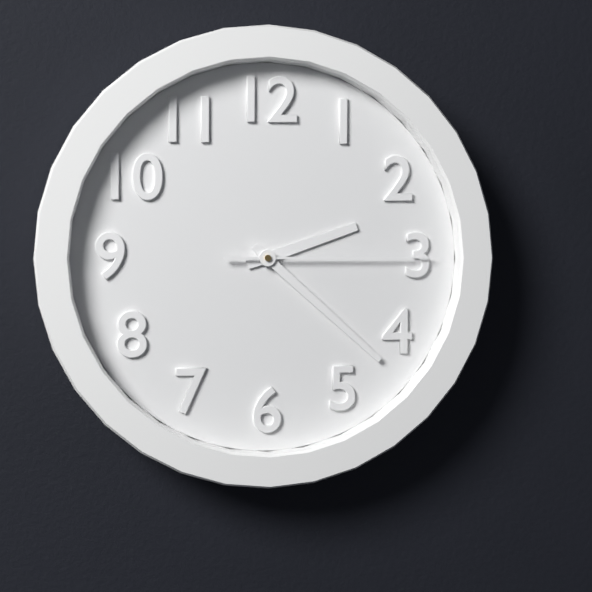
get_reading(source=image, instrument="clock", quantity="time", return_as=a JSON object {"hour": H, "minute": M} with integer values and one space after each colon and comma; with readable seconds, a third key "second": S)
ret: {"hour": 2, "minute": 22, "second": 15}
